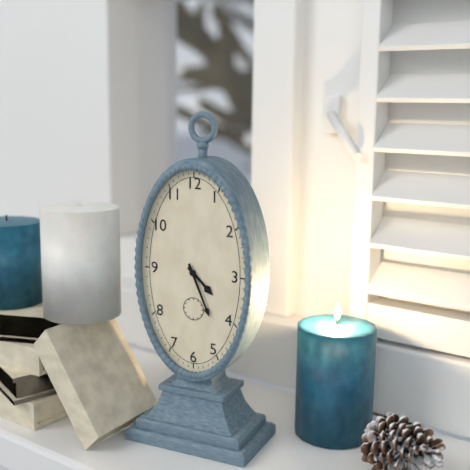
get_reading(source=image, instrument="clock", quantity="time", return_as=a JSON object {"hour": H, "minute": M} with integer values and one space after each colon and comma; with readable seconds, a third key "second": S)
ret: {"hour": 4, "minute": 26}
